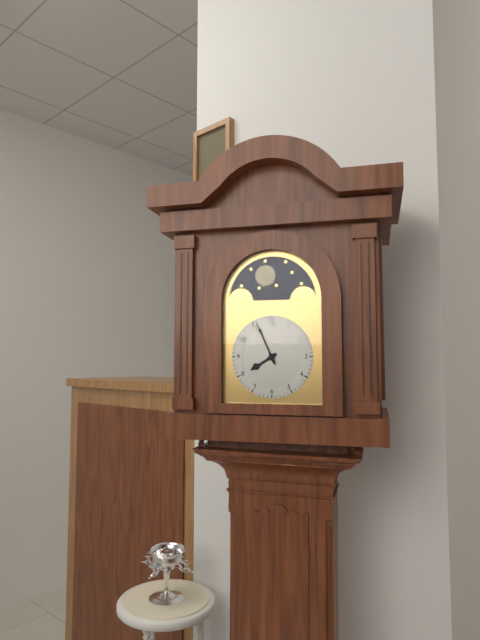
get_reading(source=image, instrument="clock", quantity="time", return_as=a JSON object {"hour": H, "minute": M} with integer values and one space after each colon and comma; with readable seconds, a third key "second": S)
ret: {"hour": 7, "minute": 56}
